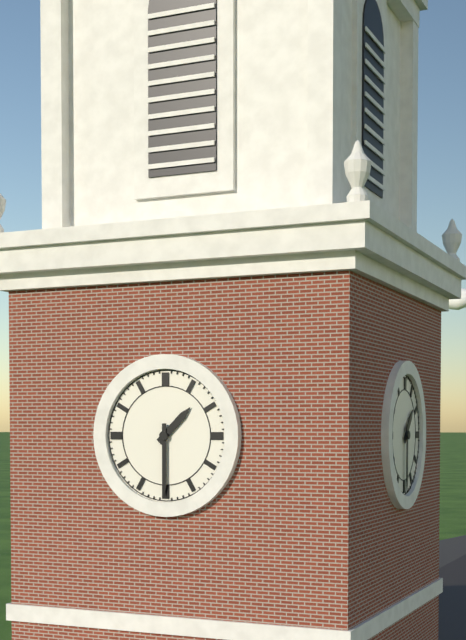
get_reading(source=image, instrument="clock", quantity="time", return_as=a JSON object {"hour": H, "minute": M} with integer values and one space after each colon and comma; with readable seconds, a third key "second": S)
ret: {"hour": 1, "minute": 30}
